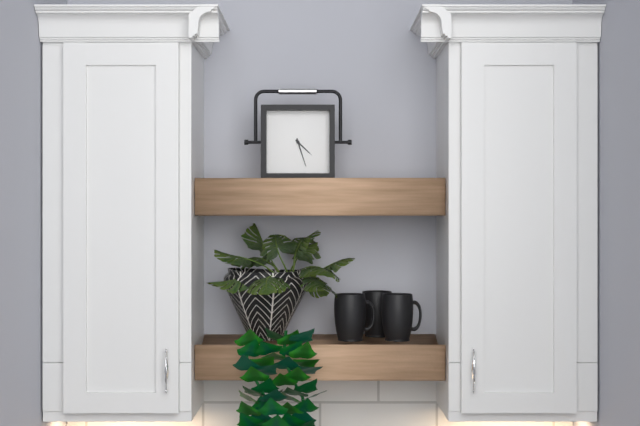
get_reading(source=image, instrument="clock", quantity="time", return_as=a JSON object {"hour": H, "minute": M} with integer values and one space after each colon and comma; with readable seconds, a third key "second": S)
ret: {"hour": 4, "minute": 27}
